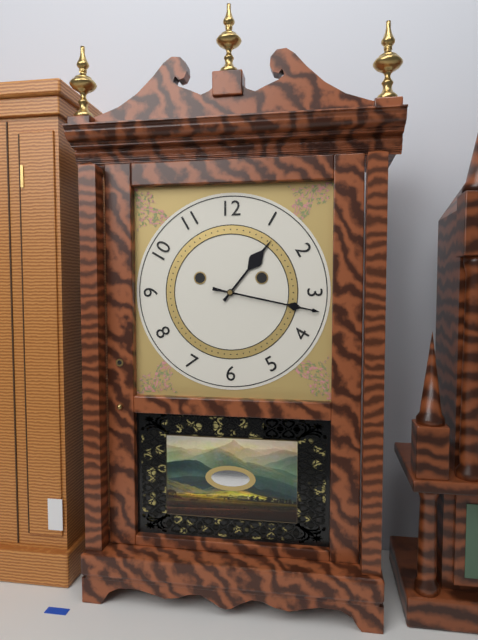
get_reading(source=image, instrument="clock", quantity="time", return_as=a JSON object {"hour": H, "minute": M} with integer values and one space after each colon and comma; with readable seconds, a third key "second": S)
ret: {"hour": 1, "minute": 17}
